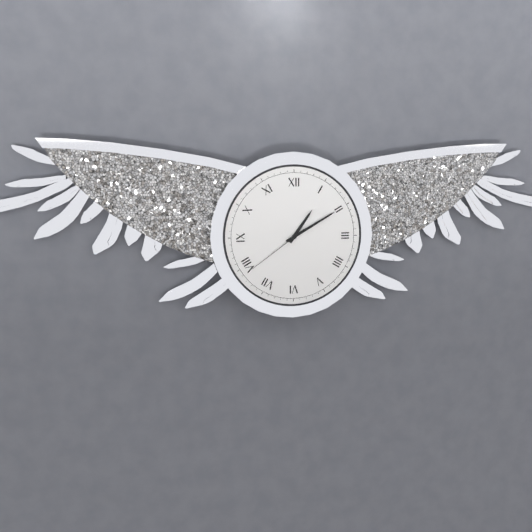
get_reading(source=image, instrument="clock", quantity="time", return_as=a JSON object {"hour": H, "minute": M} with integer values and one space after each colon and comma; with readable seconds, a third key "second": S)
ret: {"hour": 1, "minute": 10, "second": 39}
